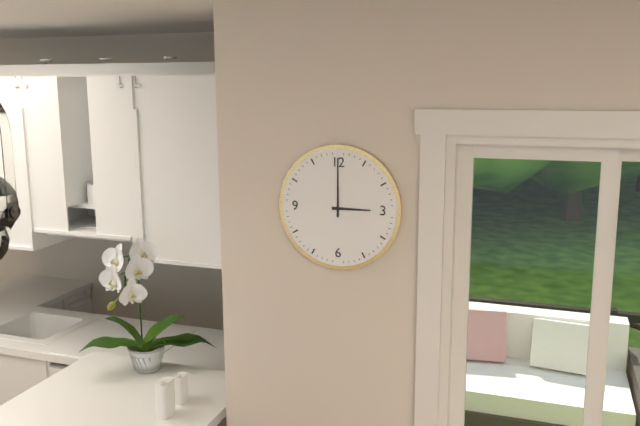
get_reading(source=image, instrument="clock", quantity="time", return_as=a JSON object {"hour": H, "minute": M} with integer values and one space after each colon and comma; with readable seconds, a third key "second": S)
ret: {"hour": 3, "minute": 0}
